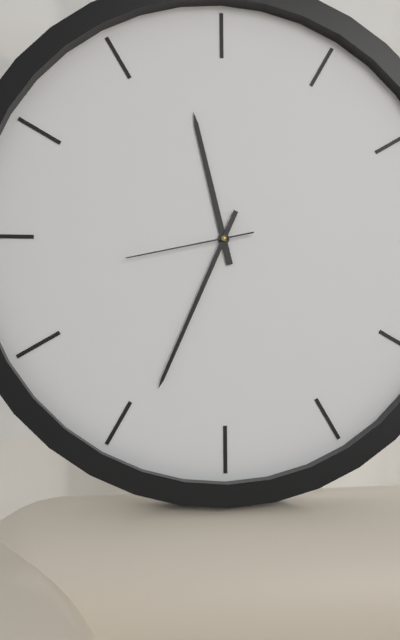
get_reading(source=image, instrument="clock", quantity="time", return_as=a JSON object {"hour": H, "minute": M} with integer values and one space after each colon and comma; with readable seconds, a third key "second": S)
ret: {"hour": 11, "minute": 34, "second": 43}
